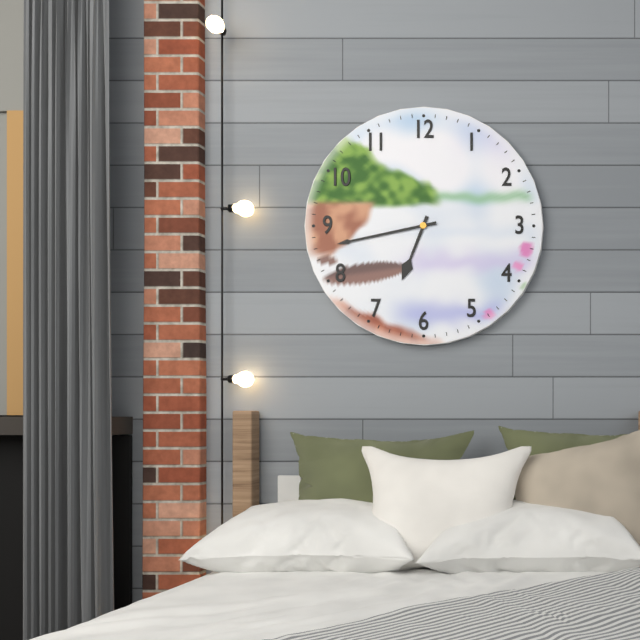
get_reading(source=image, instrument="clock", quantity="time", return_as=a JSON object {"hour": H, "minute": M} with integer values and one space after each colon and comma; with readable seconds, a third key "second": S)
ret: {"hour": 6, "minute": 43}
